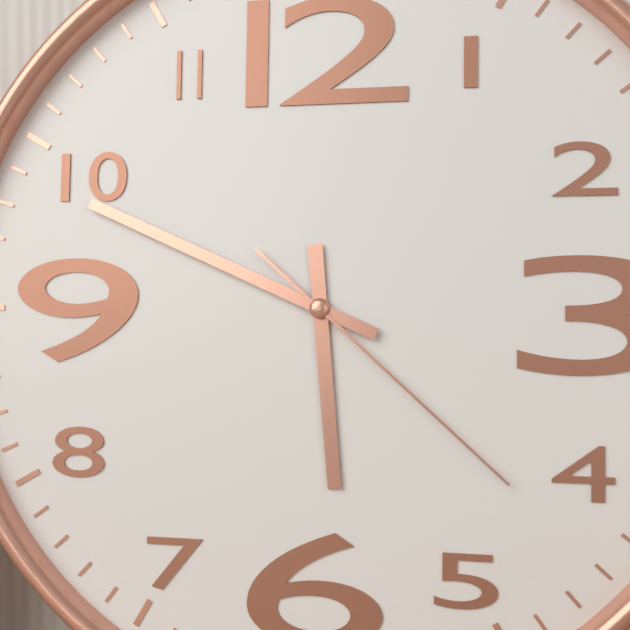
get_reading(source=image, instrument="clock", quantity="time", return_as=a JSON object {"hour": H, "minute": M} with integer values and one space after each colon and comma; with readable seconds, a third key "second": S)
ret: {"hour": 5, "minute": 49, "second": 22}
